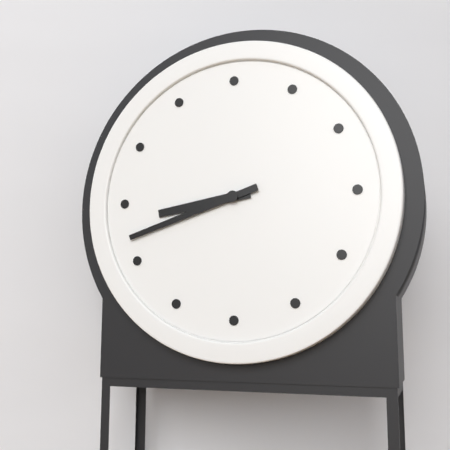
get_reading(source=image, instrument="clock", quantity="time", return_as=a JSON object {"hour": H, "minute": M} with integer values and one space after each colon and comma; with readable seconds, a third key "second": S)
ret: {"hour": 8, "minute": 42}
